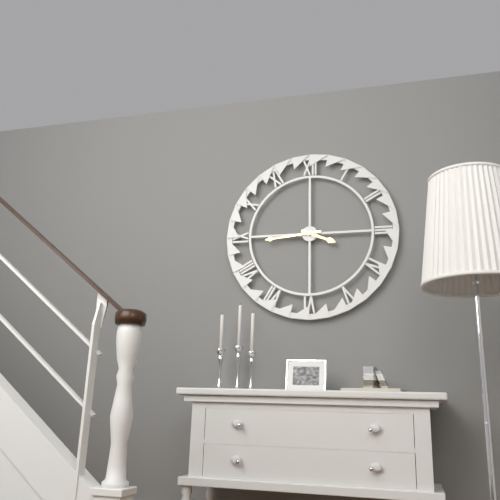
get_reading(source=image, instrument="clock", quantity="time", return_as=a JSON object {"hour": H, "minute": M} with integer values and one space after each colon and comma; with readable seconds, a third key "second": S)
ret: {"hour": 3, "minute": 44}
